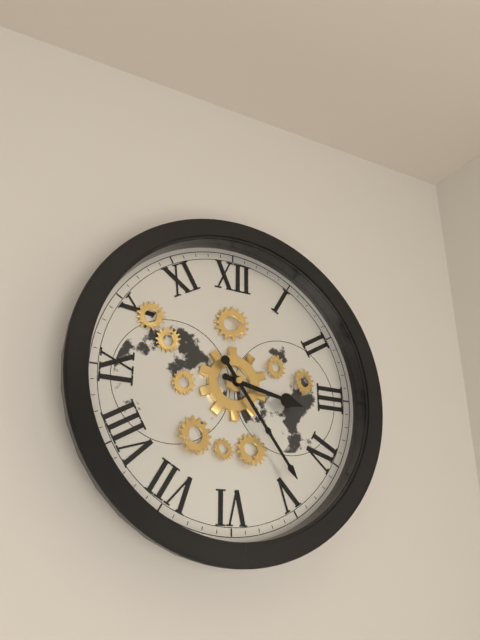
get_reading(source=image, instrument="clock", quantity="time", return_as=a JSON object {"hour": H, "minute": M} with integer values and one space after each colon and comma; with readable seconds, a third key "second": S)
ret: {"hour": 3, "minute": 24}
